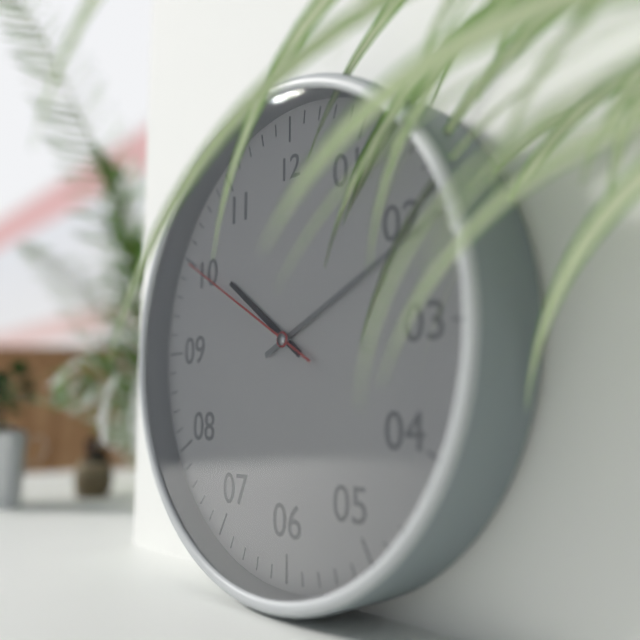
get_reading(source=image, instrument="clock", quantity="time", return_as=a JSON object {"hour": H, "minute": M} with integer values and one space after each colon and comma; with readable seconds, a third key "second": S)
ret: {"hour": 10, "minute": 11, "second": 50}
